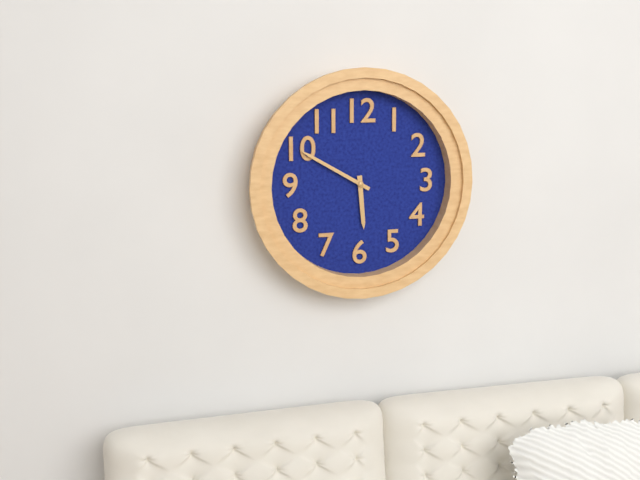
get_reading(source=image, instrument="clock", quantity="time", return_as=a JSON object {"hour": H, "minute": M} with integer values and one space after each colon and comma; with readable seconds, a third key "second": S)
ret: {"hour": 5, "minute": 50}
